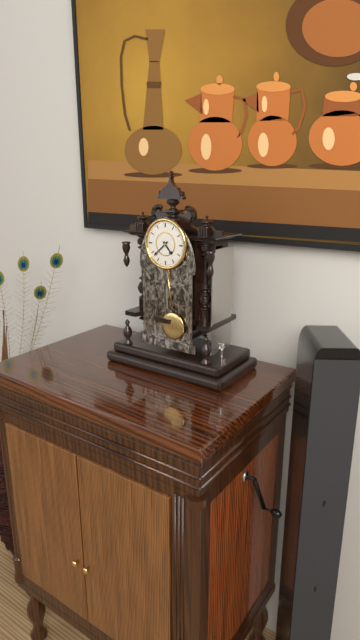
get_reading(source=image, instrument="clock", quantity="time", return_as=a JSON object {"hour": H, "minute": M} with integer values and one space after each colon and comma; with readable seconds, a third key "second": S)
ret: {"hour": 4, "minute": 38}
